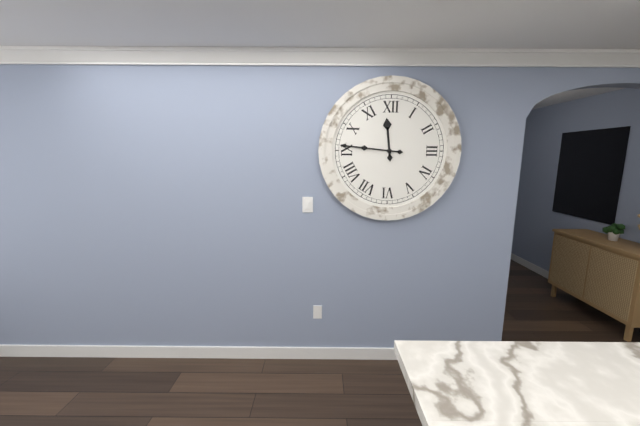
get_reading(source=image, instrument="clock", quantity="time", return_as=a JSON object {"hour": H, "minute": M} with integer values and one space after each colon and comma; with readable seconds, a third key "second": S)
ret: {"hour": 11, "minute": 46}
